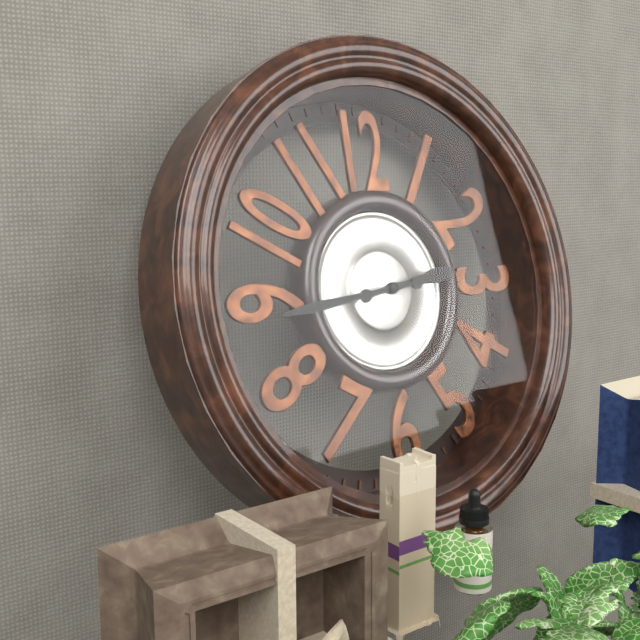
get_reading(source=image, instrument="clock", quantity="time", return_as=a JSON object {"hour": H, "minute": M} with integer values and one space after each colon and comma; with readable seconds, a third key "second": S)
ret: {"hour": 2, "minute": 44}
